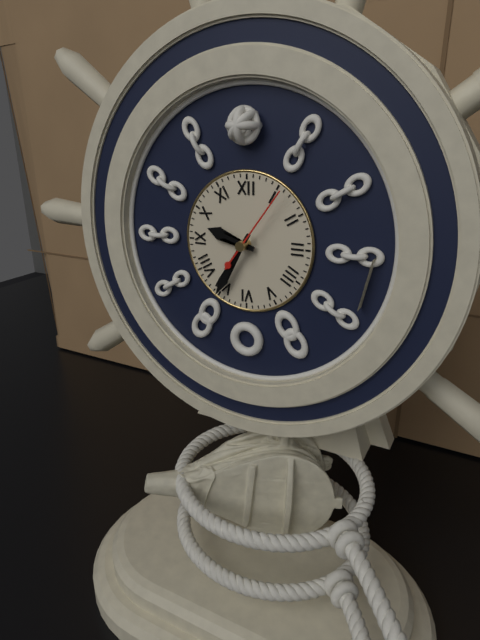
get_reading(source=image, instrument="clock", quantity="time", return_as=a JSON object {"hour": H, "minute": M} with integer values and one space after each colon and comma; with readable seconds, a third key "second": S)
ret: {"hour": 9, "minute": 35, "second": 6}
